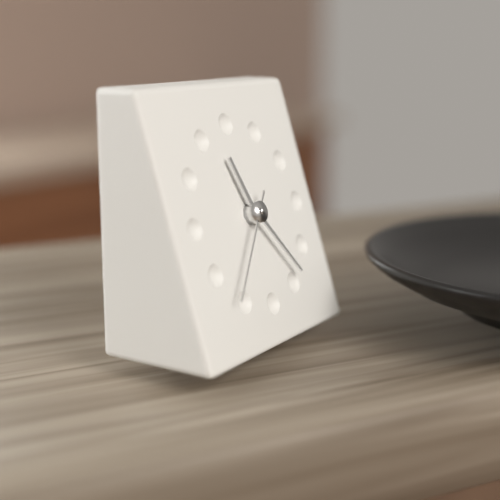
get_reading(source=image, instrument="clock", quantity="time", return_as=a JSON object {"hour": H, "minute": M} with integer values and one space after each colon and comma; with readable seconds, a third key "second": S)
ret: {"hour": 11, "minute": 24, "second": 37}
